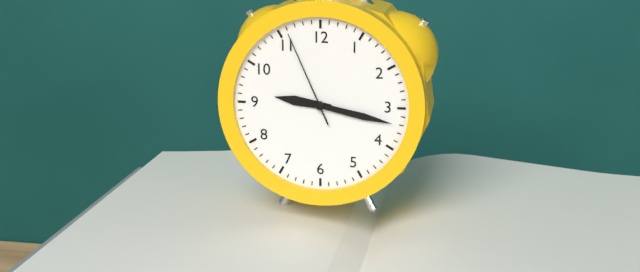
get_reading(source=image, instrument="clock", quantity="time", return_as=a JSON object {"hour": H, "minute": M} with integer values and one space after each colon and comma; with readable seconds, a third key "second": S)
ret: {"hour": 9, "minute": 17, "second": 56}
